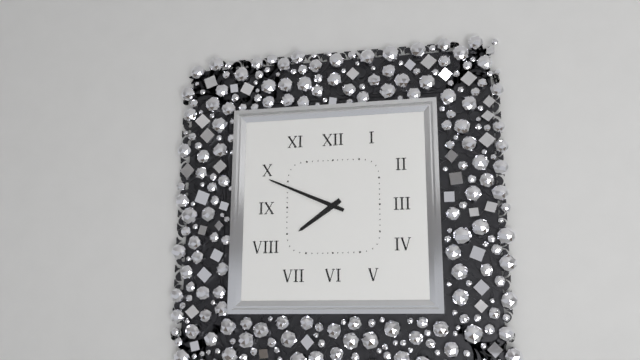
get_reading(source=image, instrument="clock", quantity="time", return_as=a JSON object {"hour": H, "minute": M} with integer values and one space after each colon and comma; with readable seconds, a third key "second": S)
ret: {"hour": 7, "minute": 49}
